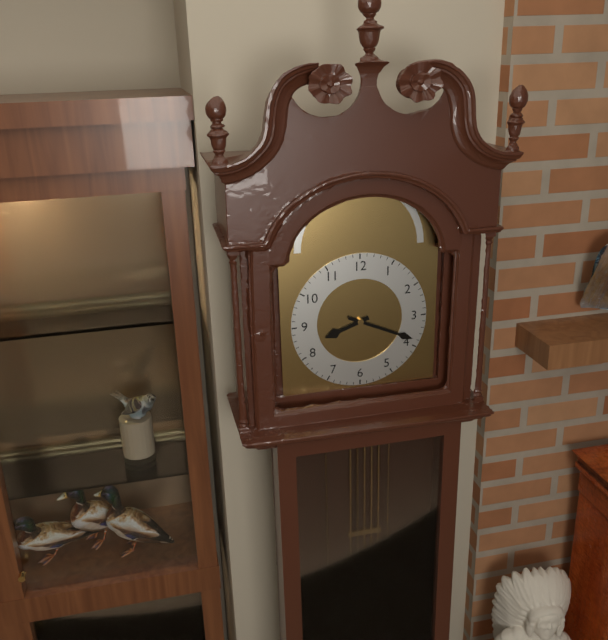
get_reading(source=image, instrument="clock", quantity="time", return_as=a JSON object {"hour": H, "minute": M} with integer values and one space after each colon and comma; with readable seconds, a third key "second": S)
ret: {"hour": 8, "minute": 19}
